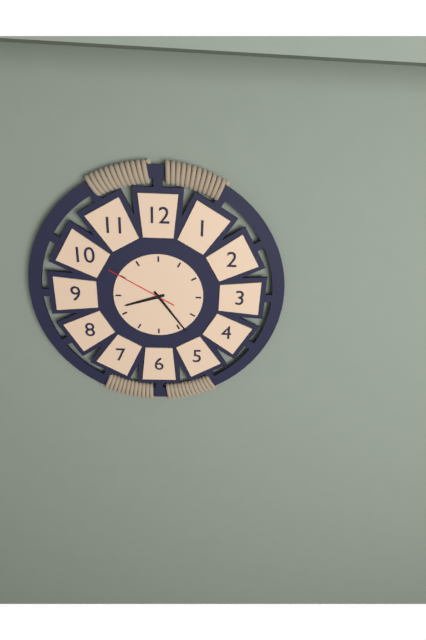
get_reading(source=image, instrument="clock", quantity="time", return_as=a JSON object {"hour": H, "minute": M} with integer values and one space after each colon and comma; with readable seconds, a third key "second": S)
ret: {"hour": 8, "minute": 24, "second": 50}
